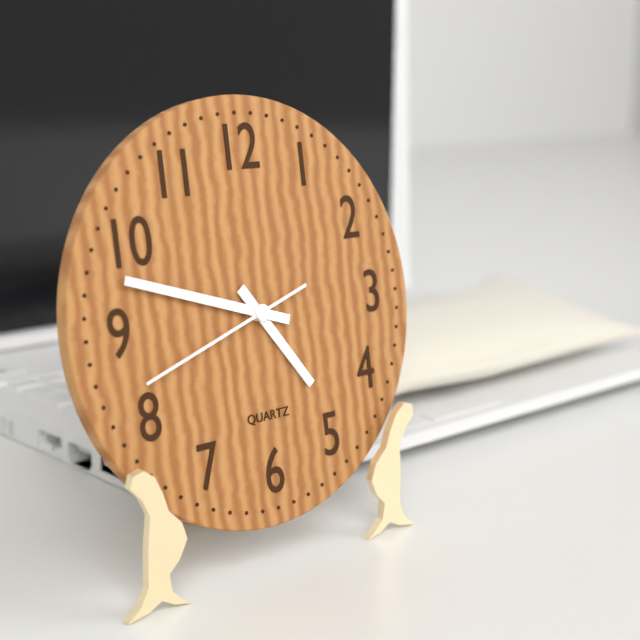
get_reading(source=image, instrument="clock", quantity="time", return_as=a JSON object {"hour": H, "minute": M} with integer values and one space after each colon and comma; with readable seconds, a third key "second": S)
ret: {"hour": 4, "minute": 48, "second": 42}
